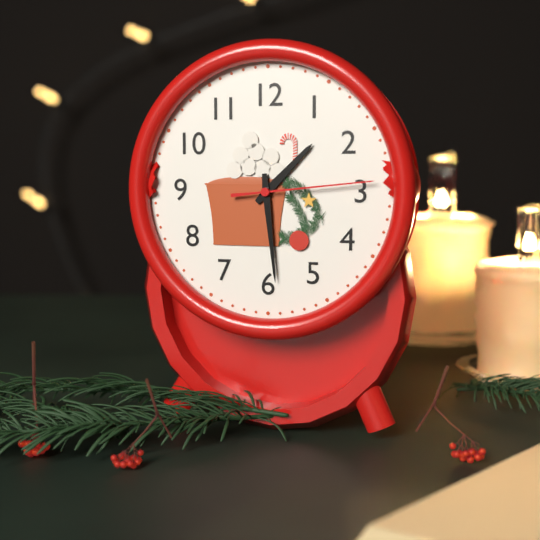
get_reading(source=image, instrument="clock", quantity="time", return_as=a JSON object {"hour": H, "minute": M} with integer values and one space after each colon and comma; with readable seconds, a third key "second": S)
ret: {"hour": 1, "minute": 29, "second": 14}
